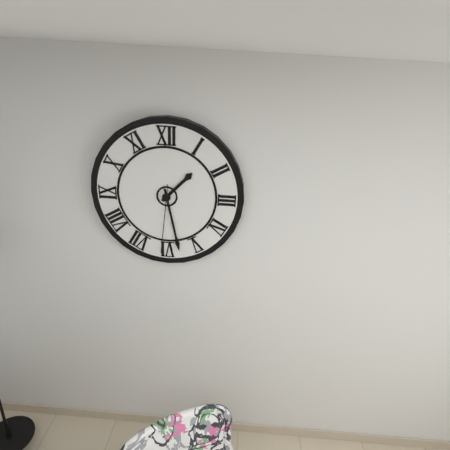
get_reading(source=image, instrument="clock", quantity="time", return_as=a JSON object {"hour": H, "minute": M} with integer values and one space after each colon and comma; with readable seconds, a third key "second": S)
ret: {"hour": 1, "minute": 28, "second": 31}
